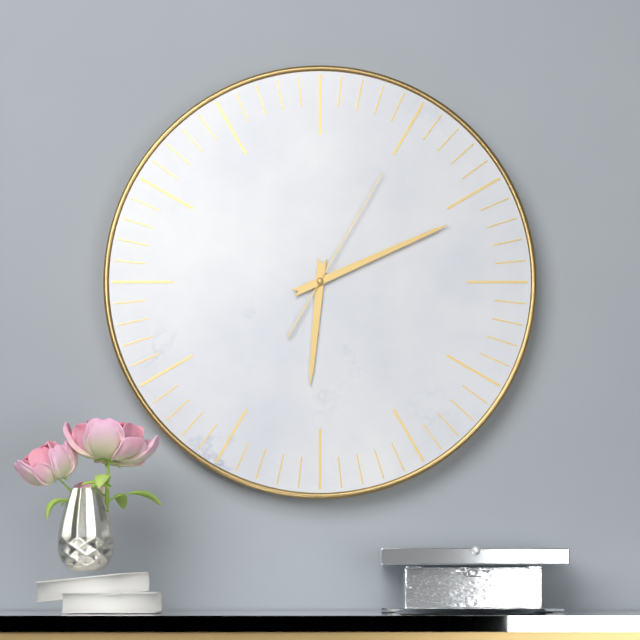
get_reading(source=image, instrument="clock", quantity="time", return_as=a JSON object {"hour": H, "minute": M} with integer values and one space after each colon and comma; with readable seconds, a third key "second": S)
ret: {"hour": 6, "minute": 11, "second": 5}
